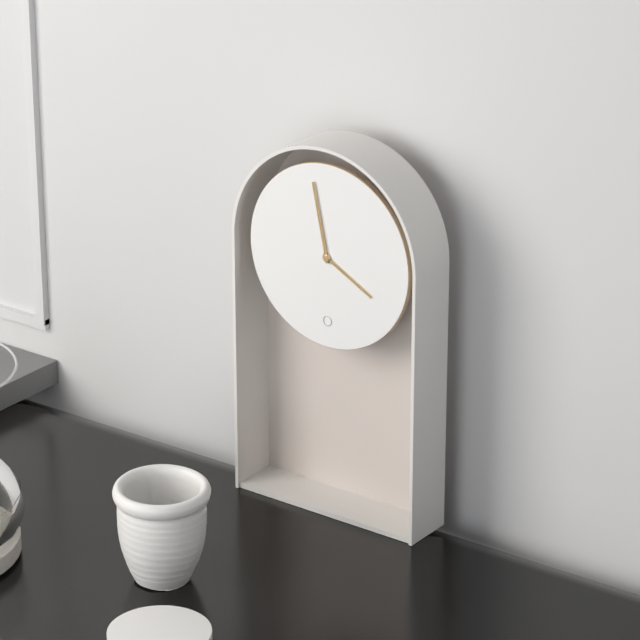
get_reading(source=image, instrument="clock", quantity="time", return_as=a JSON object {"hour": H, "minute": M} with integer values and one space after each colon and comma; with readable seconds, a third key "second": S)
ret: {"hour": 3, "minute": 58}
